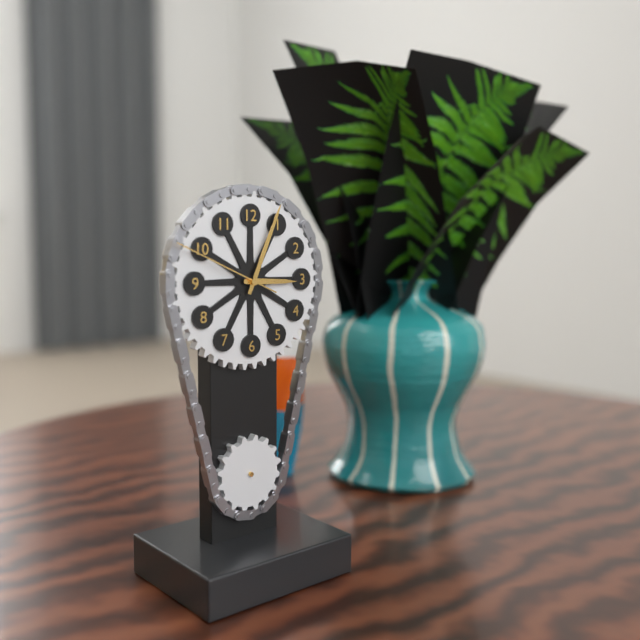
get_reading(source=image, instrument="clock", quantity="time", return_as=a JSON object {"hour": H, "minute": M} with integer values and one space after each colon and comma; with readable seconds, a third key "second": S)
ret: {"hour": 3, "minute": 4, "second": 49}
